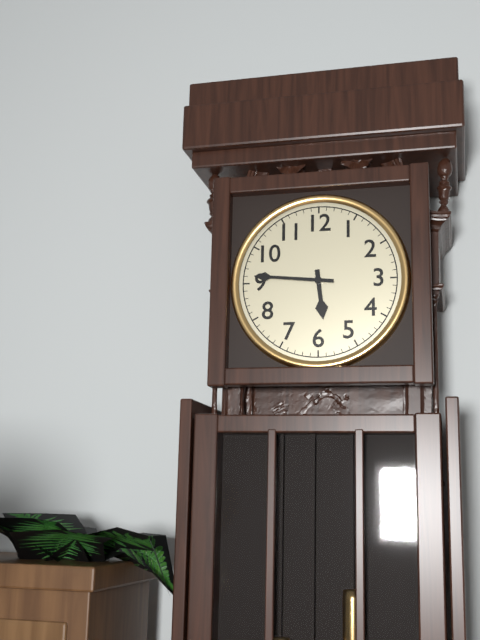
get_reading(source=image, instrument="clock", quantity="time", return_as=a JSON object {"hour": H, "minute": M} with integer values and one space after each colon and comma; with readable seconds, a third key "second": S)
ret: {"hour": 5, "minute": 46}
